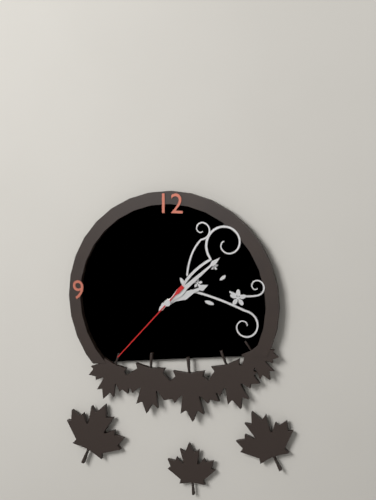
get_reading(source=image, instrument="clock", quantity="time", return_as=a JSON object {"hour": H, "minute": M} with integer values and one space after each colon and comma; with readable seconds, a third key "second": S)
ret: {"hour": 2, "minute": 8, "second": 37}
